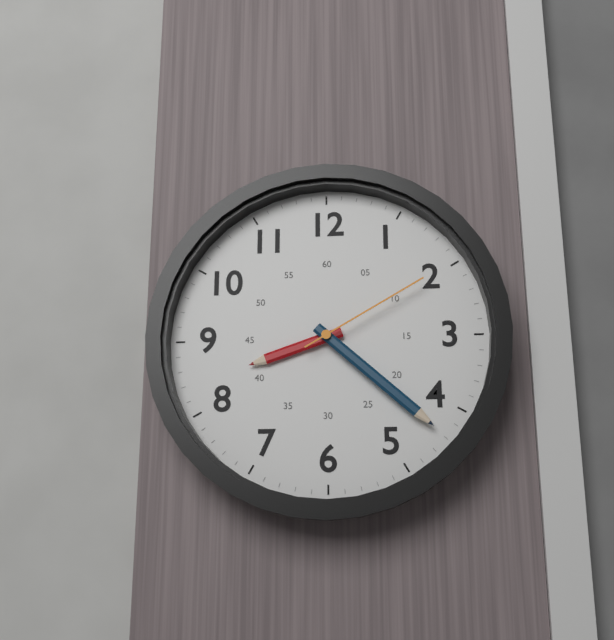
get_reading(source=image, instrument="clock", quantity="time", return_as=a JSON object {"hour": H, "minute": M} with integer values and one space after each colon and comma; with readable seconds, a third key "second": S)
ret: {"hour": 8, "minute": 22, "second": 10}
